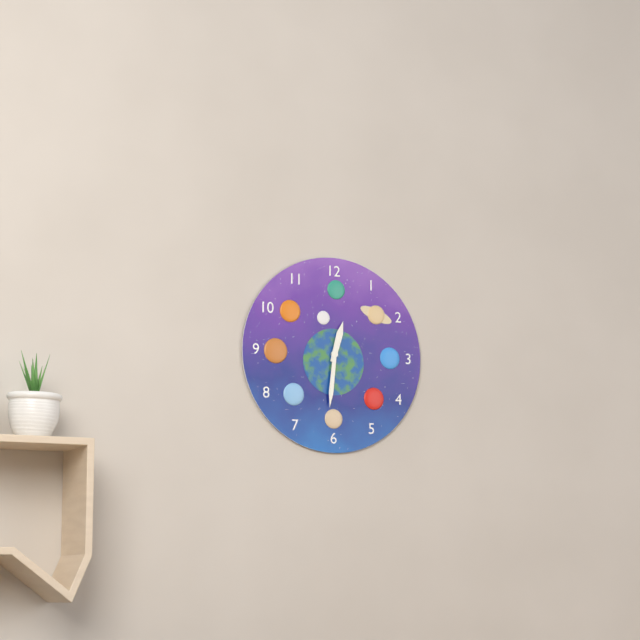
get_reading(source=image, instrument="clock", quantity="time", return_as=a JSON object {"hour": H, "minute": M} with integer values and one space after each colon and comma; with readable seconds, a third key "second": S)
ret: {"hour": 12, "minute": 31}
